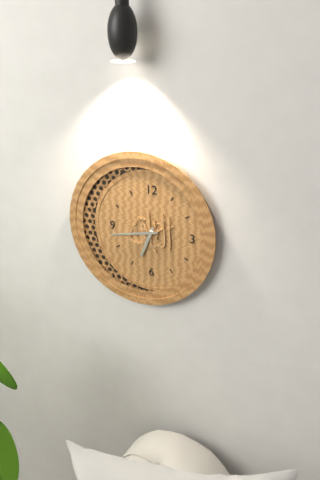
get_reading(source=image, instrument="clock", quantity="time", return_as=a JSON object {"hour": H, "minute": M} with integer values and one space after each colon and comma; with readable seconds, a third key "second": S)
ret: {"hour": 6, "minute": 43}
